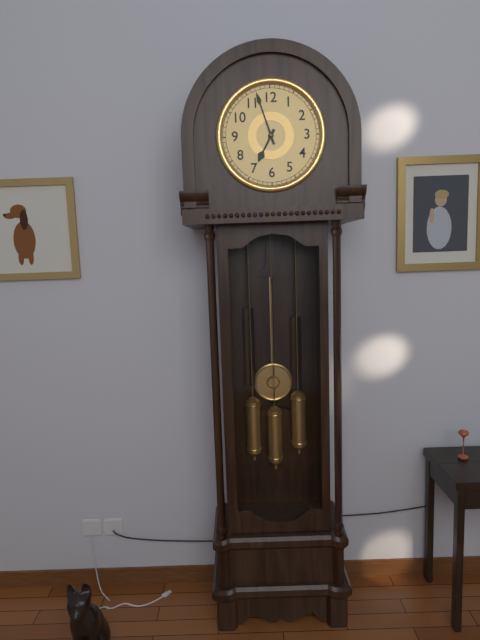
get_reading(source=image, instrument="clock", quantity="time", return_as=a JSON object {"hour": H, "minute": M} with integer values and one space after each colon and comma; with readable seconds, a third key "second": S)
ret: {"hour": 6, "minute": 57}
